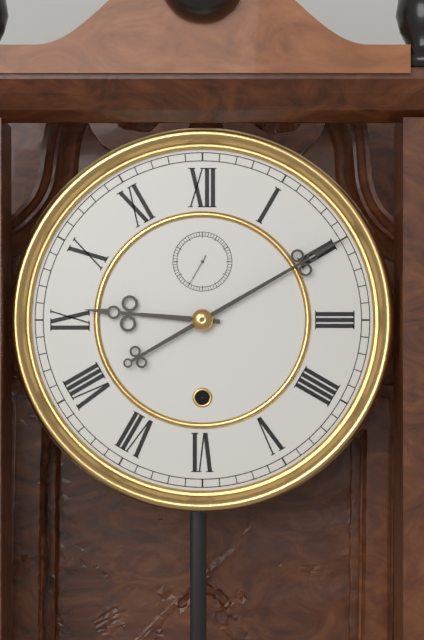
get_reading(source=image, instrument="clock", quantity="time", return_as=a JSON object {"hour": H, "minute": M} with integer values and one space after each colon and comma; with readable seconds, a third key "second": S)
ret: {"hour": 9, "minute": 10}
